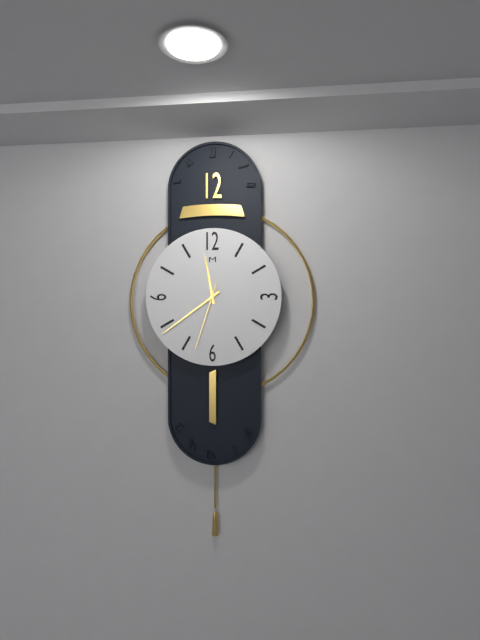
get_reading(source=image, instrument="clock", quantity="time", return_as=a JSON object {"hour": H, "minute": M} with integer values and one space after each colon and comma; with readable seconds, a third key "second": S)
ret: {"hour": 11, "minute": 39, "second": 33}
